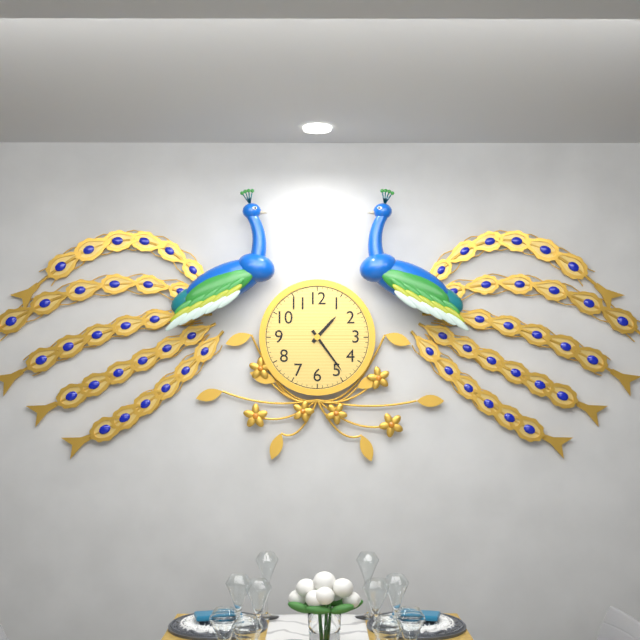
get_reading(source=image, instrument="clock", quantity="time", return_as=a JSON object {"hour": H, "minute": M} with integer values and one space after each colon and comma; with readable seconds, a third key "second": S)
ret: {"hour": 1, "minute": 24}
